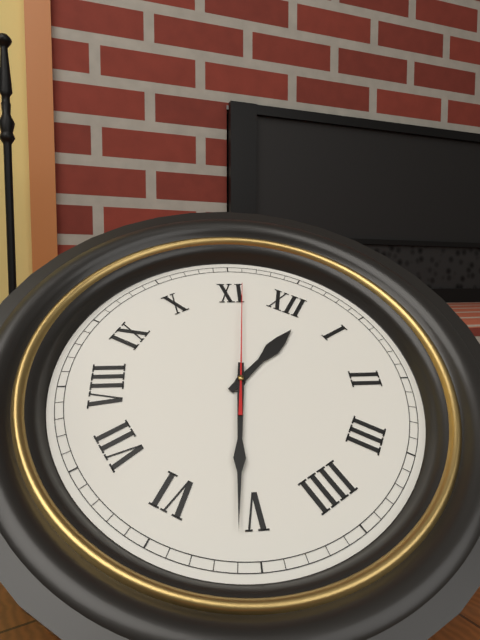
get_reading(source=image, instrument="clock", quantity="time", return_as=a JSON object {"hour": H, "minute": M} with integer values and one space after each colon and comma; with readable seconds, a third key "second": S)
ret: {"hour": 12, "minute": 26, "second": 56}
